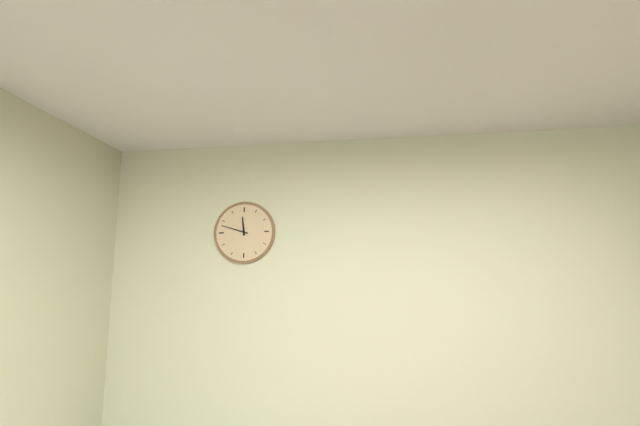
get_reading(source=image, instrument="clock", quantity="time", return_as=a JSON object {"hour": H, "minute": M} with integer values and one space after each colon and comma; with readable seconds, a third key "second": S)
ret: {"hour": 11, "minute": 48}
